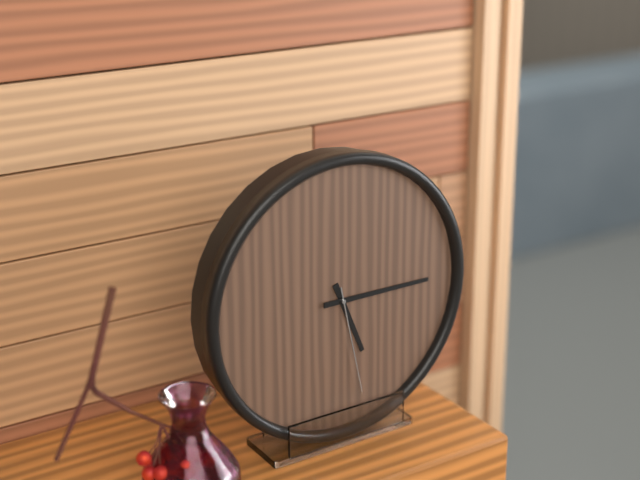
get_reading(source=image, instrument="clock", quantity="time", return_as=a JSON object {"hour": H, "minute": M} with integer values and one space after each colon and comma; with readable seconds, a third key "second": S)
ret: {"hour": 5, "minute": 15, "second": 28}
